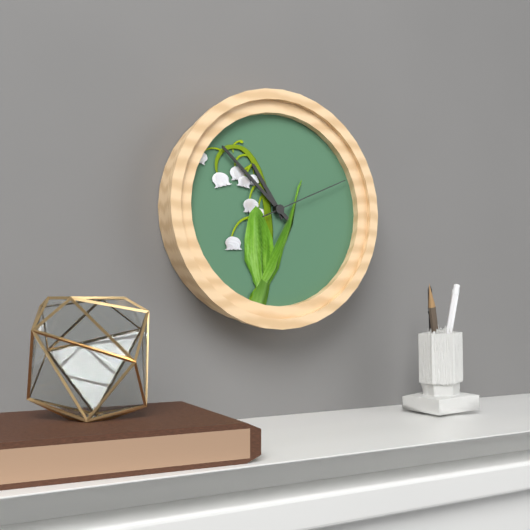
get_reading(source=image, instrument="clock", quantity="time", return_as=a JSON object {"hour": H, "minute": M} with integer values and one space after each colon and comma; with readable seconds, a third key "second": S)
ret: {"hour": 10, "minute": 52, "second": 11}
